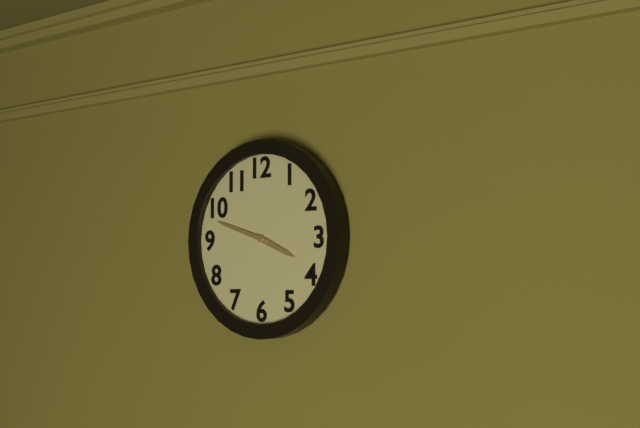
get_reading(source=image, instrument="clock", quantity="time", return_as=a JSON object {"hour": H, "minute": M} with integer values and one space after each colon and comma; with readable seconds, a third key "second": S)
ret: {"hour": 3, "minute": 48}
